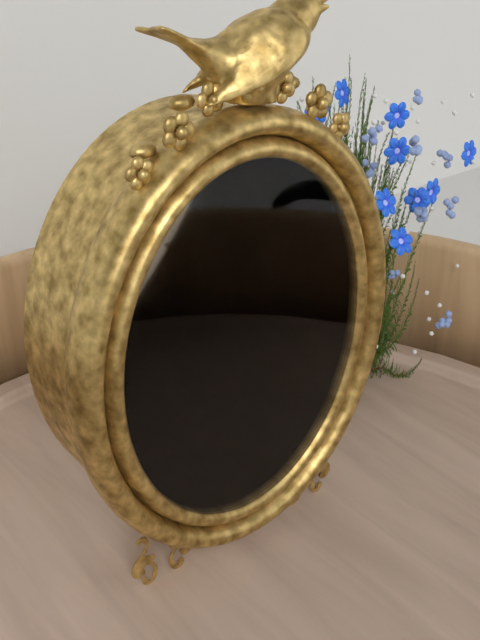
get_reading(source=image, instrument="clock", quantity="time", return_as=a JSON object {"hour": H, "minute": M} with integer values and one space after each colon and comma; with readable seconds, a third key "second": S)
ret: {"hour": 5, "minute": 28, "second": 29}
